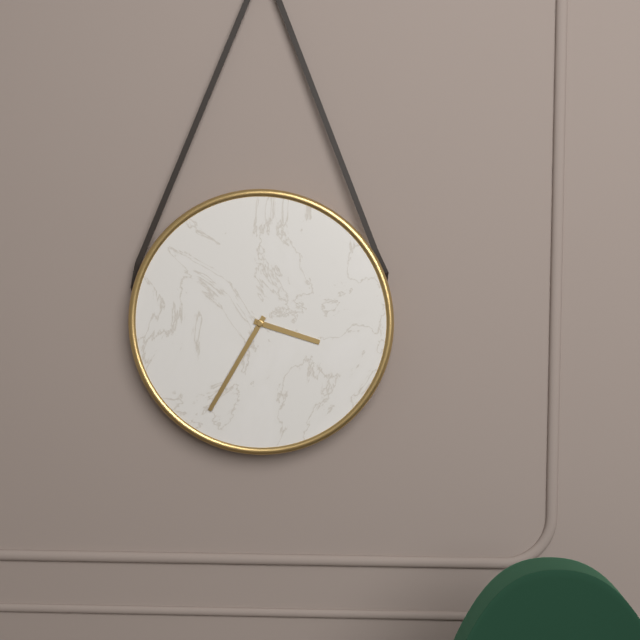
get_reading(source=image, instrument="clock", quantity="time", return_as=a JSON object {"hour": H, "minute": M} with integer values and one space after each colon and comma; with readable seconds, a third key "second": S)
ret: {"hour": 3, "minute": 35}
